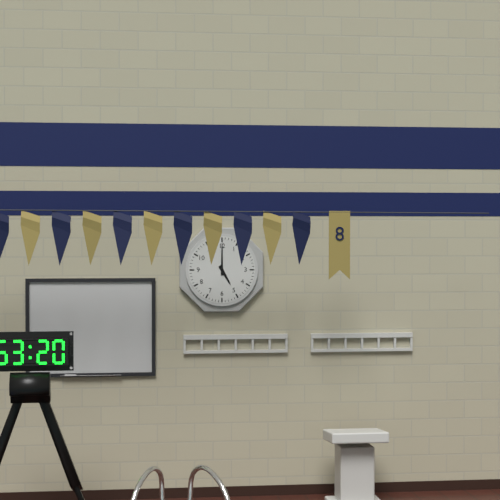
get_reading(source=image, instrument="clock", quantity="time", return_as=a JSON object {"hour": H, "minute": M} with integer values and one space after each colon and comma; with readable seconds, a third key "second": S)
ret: {"hour": 5, "minute": 0}
